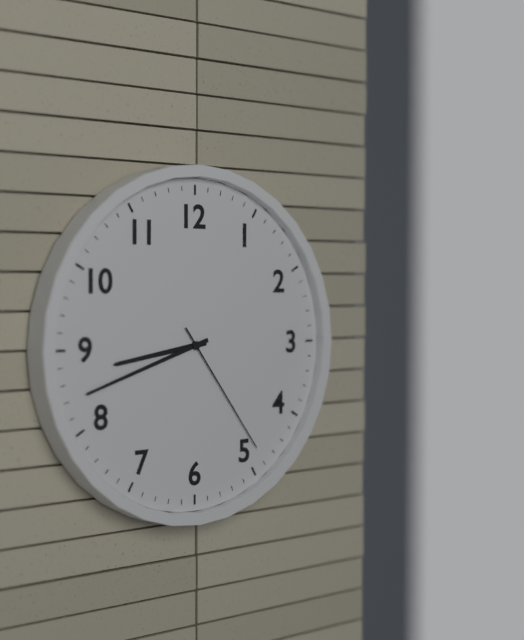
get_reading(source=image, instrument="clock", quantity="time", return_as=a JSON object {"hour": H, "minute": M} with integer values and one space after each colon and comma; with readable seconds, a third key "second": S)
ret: {"hour": 8, "minute": 42, "second": 24}
